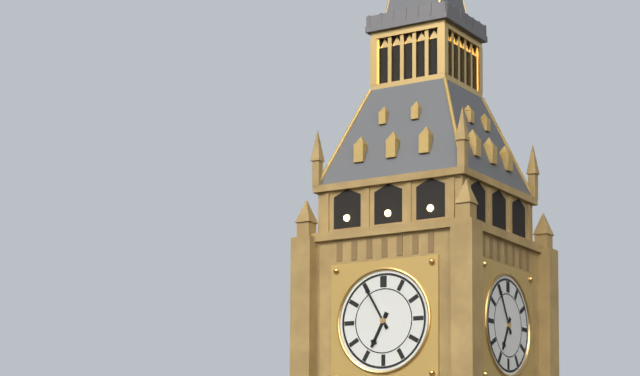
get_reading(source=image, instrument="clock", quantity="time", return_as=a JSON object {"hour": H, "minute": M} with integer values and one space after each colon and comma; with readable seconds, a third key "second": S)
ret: {"hour": 6, "minute": 55}
